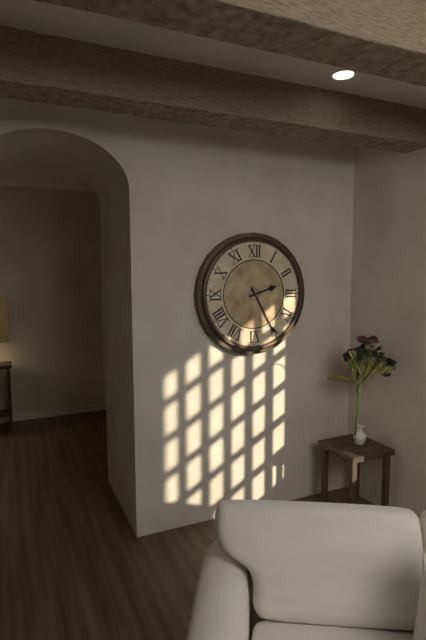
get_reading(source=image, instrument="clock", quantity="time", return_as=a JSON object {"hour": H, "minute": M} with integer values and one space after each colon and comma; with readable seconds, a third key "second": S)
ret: {"hour": 2, "minute": 25}
